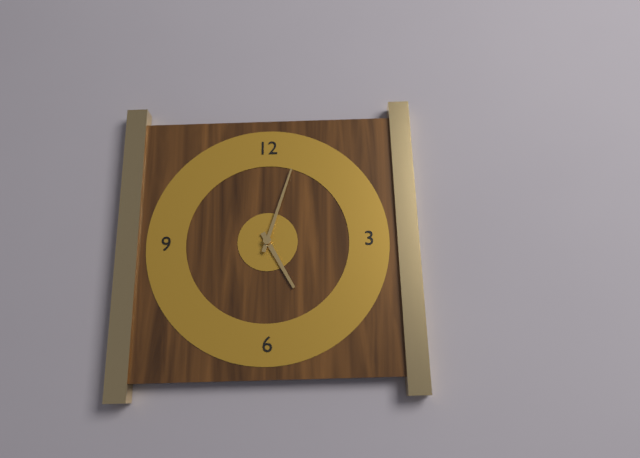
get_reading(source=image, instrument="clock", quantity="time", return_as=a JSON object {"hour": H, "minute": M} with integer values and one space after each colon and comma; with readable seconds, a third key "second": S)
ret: {"hour": 5, "minute": 3}
